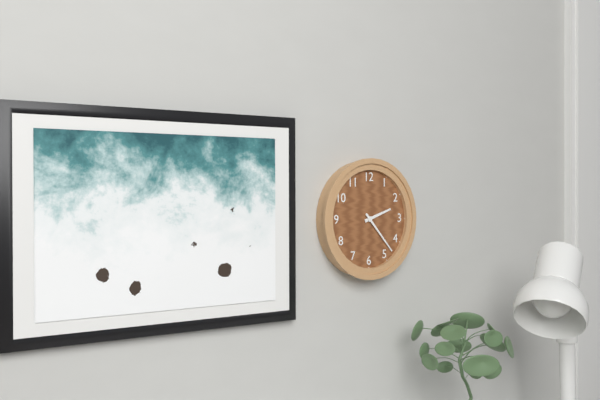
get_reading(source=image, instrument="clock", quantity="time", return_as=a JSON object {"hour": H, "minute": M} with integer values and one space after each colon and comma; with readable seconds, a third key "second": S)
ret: {"hour": 2, "minute": 23}
